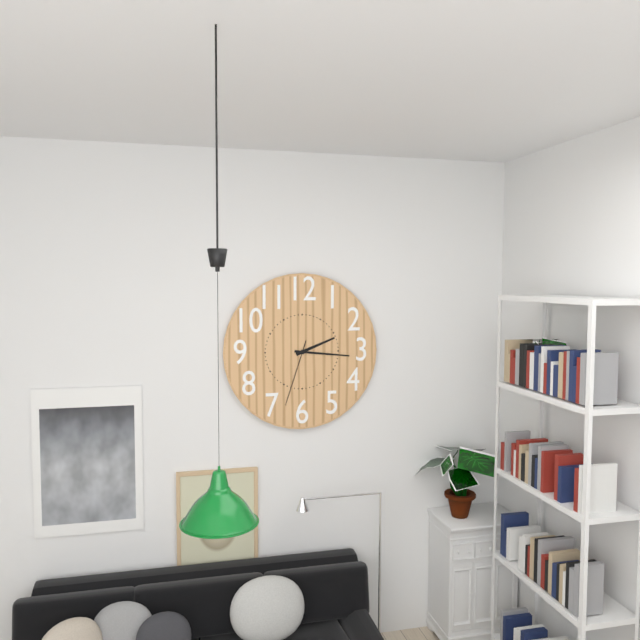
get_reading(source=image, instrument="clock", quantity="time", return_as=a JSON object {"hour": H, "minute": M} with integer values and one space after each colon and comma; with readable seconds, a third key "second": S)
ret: {"hour": 2, "minute": 16, "second": 33}
